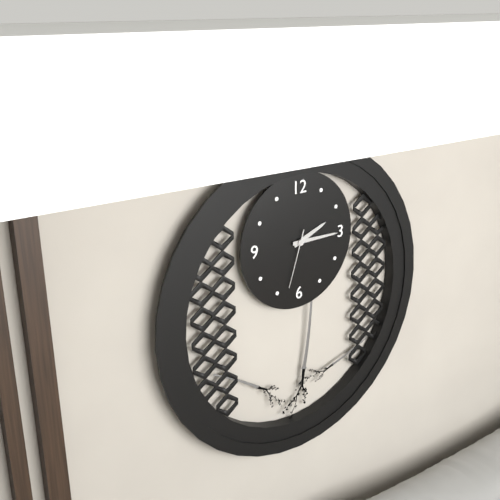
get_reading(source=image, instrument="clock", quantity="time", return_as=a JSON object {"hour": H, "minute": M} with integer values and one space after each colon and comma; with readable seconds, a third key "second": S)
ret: {"hour": 2, "minute": 15, "second": 33}
